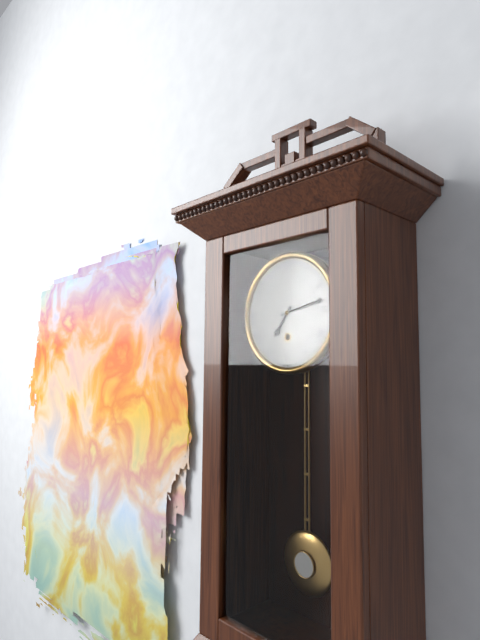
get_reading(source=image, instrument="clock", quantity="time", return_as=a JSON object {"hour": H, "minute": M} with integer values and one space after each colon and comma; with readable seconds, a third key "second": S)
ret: {"hour": 7, "minute": 13}
